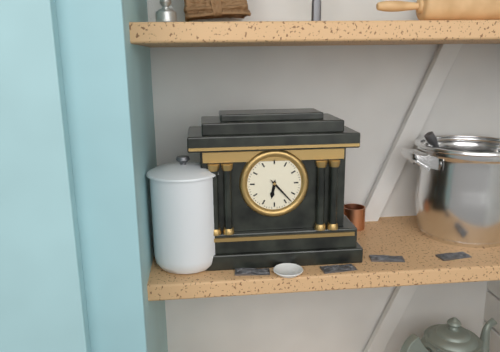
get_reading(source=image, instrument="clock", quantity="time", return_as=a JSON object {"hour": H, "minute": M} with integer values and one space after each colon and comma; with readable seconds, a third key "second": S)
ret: {"hour": 6, "minute": 23}
